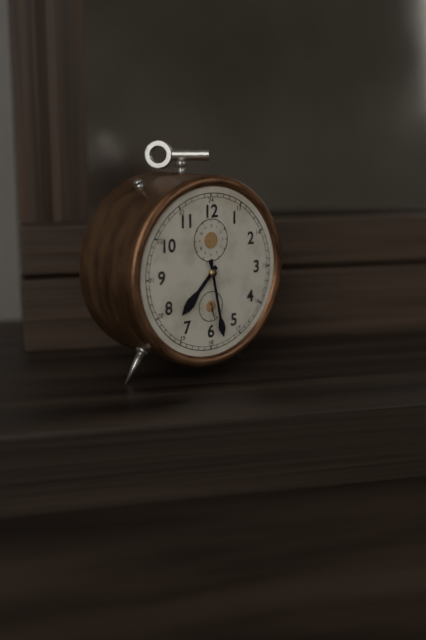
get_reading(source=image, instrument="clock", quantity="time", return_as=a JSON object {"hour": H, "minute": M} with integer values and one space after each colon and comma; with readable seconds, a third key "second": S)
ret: {"hour": 7, "minute": 28}
